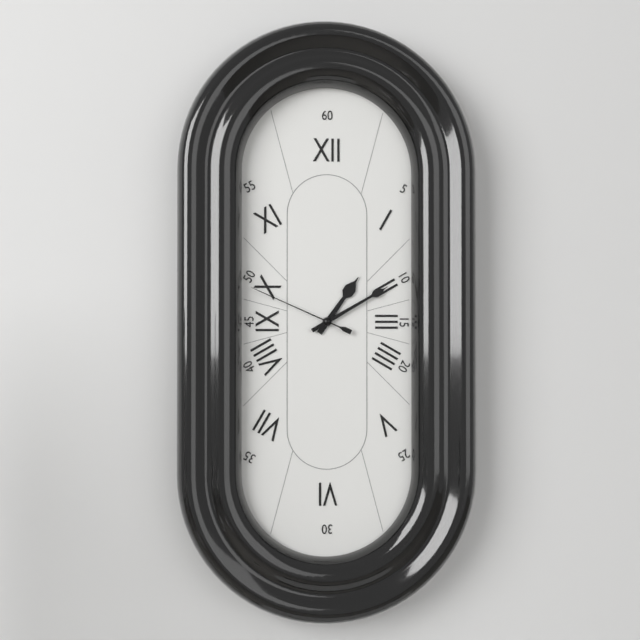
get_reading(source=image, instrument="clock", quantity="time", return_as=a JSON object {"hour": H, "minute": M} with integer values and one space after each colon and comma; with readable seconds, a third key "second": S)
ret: {"hour": 1, "minute": 10, "second": 49}
